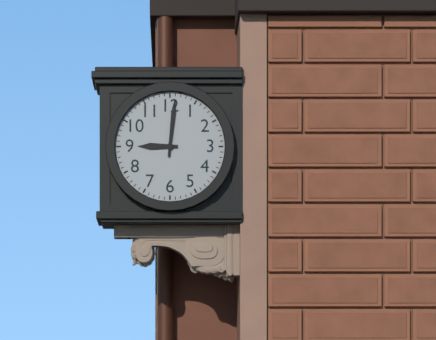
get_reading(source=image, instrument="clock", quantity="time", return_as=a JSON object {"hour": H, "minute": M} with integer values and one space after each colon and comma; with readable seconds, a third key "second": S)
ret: {"hour": 9, "minute": 1}
